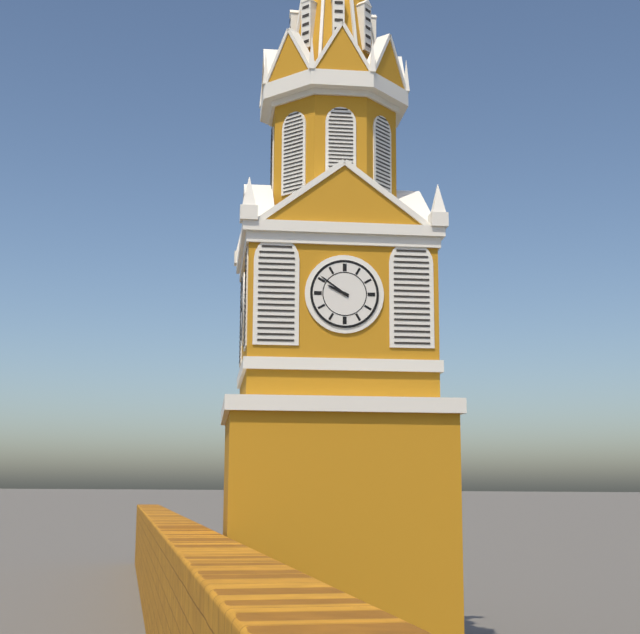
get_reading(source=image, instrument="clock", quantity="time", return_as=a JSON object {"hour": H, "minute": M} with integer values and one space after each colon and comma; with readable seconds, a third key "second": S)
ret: {"hour": 9, "minute": 51}
